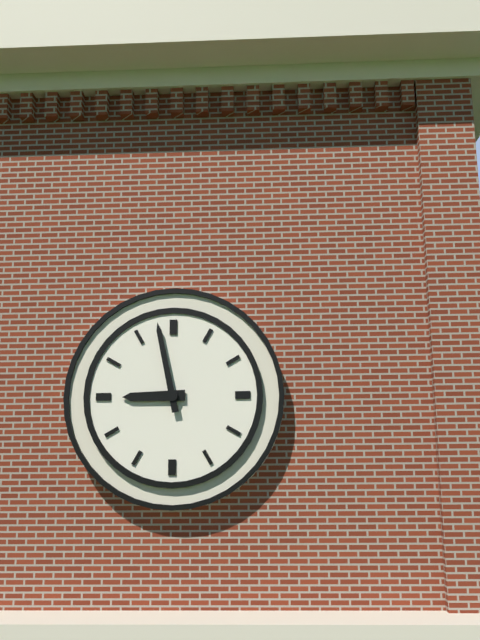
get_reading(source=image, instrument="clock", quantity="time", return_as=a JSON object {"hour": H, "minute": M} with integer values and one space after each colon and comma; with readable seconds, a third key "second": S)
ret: {"hour": 8, "minute": 58}
